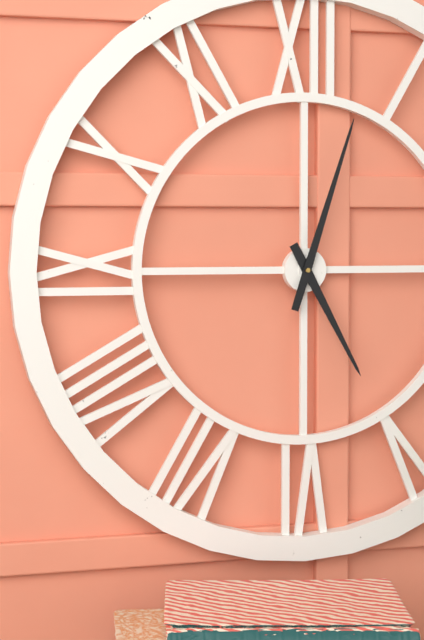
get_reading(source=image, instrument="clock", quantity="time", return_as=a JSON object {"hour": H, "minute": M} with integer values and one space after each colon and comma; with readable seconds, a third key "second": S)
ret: {"hour": 5, "minute": 3}
